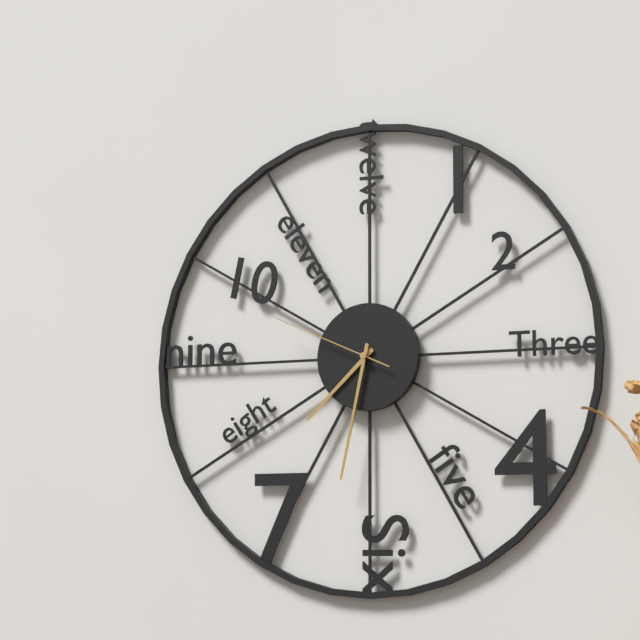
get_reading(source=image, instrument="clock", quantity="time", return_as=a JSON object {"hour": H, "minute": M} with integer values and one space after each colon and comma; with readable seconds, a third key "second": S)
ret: {"hour": 7, "minute": 32, "second": 49}
